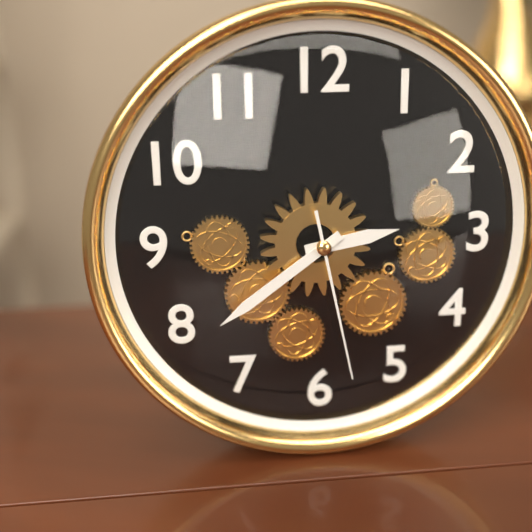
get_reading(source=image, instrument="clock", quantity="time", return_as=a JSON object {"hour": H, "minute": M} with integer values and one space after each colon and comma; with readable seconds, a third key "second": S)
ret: {"hour": 2, "minute": 39, "second": 28}
